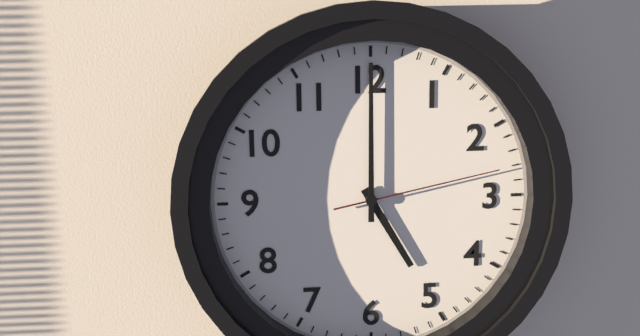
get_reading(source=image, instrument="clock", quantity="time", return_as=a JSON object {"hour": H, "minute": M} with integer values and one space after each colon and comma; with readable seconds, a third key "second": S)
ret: {"hour": 5, "minute": 0, "second": 13}
